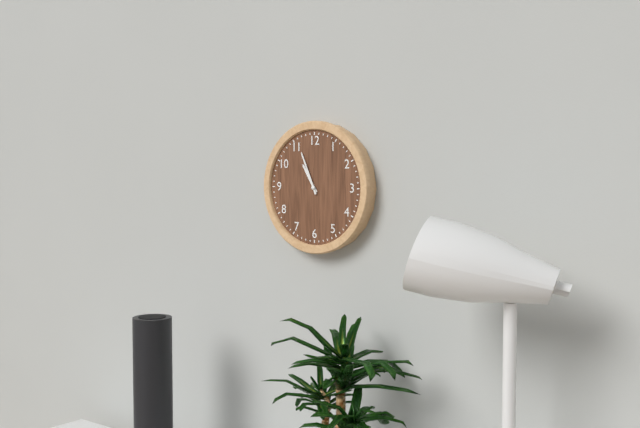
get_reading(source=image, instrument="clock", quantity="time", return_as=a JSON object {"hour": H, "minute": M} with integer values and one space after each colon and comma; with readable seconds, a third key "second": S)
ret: {"hour": 10, "minute": 56}
